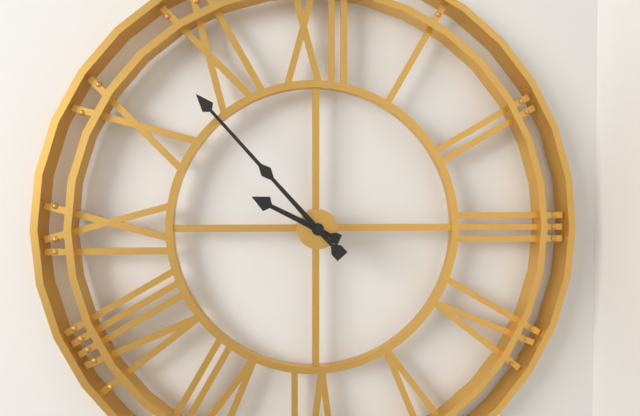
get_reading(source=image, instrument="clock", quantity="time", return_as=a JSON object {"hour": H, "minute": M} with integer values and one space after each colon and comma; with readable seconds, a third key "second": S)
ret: {"hour": 9, "minute": 53}
